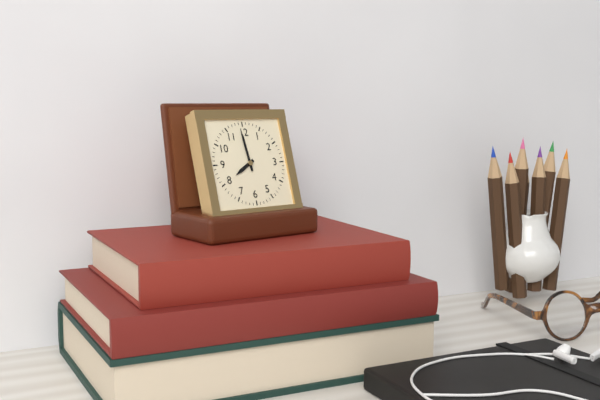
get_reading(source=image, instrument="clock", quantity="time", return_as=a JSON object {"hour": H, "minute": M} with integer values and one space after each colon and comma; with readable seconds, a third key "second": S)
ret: {"hour": 7, "minute": 59}
